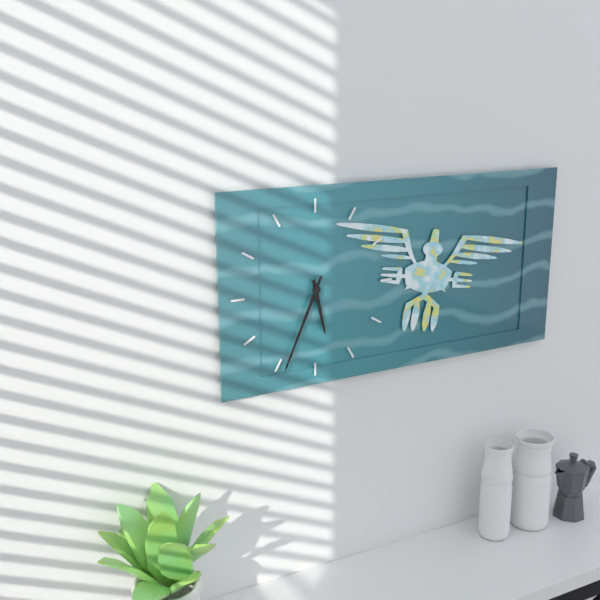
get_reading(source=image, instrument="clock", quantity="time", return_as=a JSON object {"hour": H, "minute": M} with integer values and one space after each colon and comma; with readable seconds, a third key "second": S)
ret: {"hour": 5, "minute": 34}
